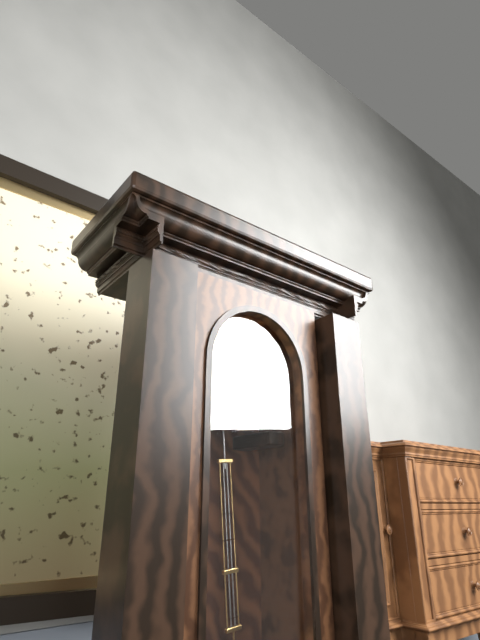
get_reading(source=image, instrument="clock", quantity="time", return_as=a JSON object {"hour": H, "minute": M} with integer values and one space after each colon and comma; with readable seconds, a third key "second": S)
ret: {"hour": 9, "minute": 21}
